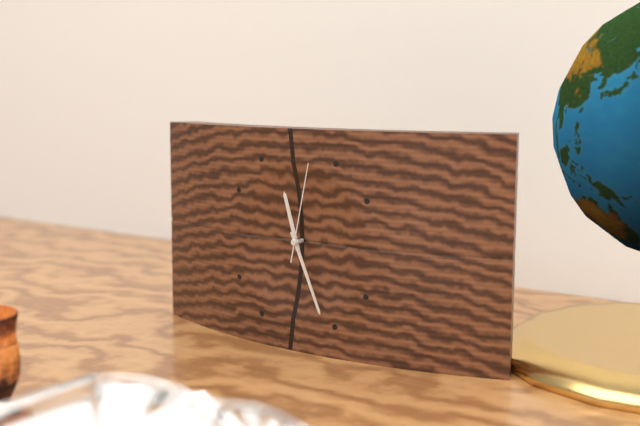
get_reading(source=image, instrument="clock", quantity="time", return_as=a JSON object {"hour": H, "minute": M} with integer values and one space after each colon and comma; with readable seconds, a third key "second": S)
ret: {"hour": 11, "minute": 26, "second": 2}
